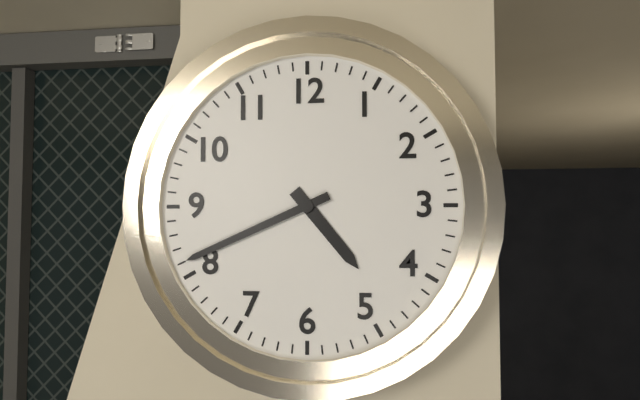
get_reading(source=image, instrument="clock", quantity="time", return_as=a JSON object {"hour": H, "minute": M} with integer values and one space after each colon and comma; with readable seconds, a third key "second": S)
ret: {"hour": 4, "minute": 41}
